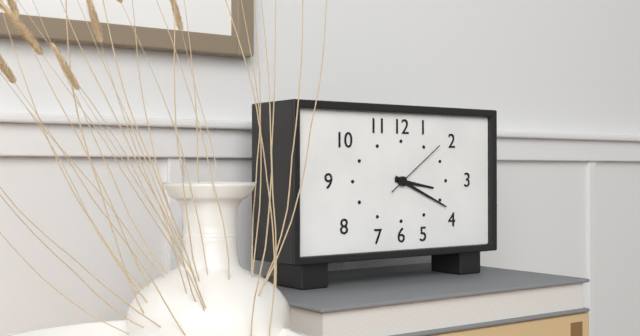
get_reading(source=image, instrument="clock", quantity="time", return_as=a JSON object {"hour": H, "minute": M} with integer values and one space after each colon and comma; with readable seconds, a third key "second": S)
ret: {"hour": 3, "minute": 19, "second": 9}
